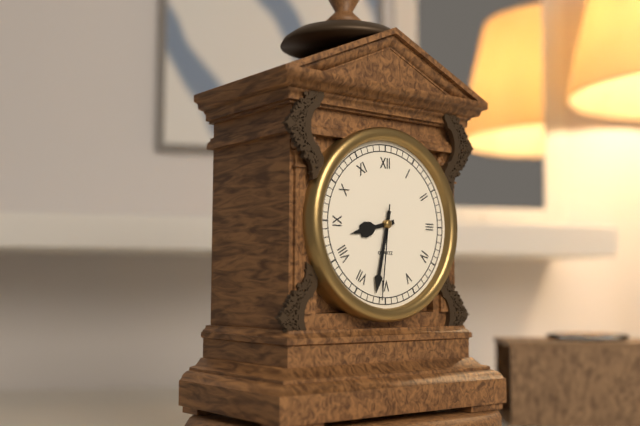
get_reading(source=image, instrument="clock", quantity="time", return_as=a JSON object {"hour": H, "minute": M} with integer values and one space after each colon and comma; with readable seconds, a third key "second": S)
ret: {"hour": 8, "minute": 32, "second": 31}
